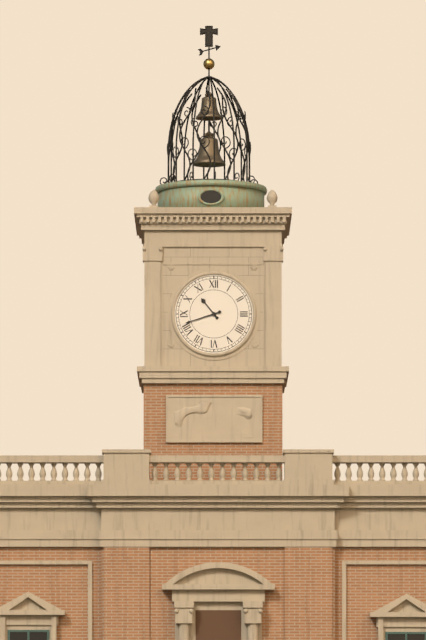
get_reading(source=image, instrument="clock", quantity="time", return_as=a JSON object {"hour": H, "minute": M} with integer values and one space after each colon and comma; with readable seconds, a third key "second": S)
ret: {"hour": 10, "minute": 42}
